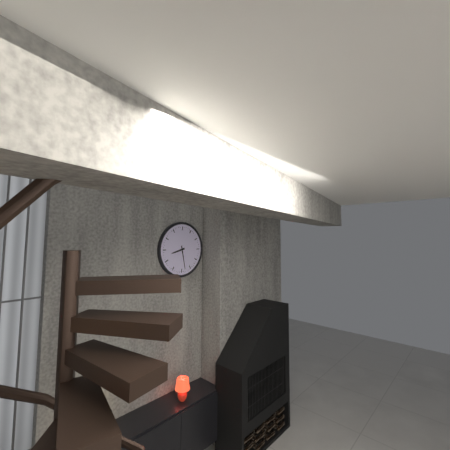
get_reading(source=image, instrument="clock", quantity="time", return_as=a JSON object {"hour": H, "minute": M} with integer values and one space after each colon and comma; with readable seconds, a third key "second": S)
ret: {"hour": 8, "minute": 28}
